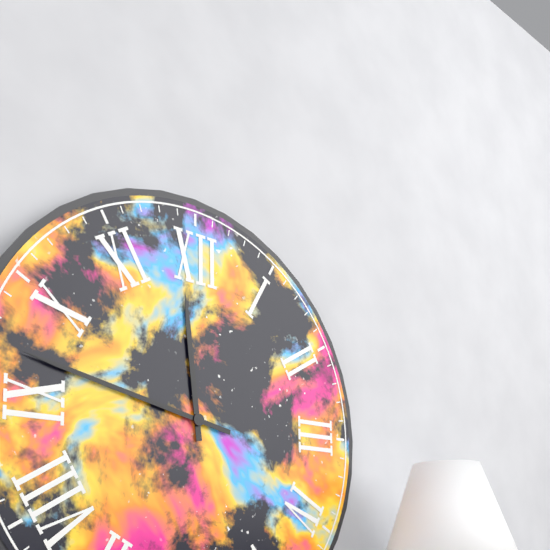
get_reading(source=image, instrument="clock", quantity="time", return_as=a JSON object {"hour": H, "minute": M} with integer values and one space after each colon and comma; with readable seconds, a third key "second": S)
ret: {"hour": 11, "minute": 47}
